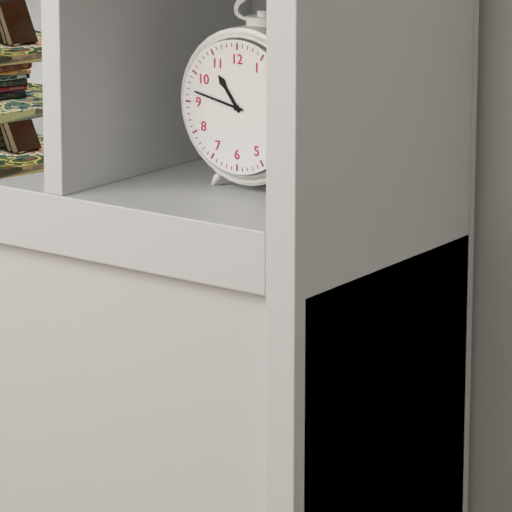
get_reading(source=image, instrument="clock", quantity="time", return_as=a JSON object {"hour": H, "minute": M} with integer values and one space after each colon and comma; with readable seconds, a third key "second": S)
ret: {"hour": 10, "minute": 47}
